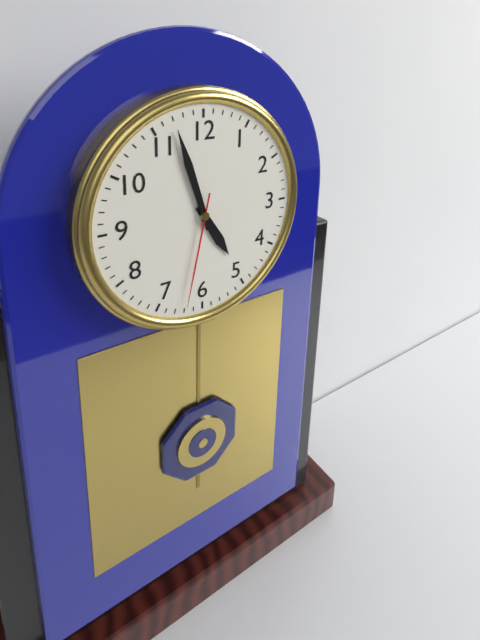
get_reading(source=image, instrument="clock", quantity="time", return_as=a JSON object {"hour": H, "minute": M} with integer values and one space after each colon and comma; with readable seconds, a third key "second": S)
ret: {"hour": 4, "minute": 57, "second": 32}
